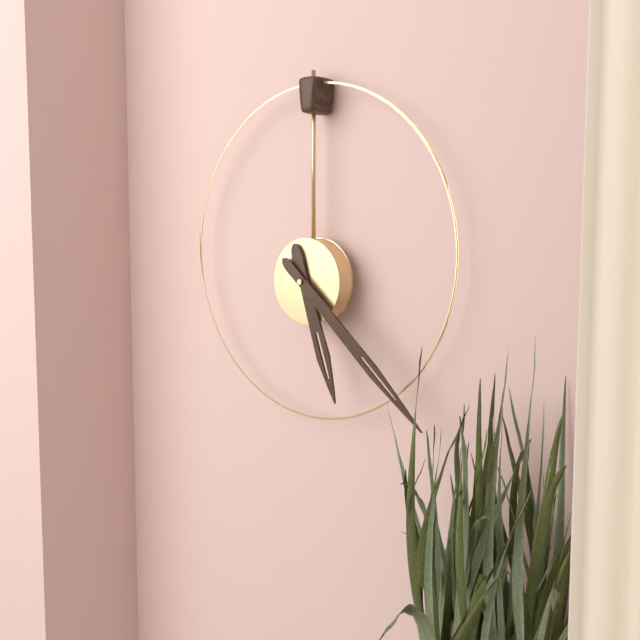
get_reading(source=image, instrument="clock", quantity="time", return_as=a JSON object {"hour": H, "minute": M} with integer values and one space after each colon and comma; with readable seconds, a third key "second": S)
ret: {"hour": 5, "minute": 22}
